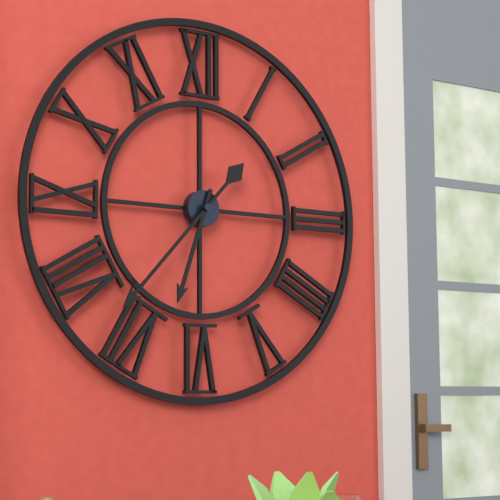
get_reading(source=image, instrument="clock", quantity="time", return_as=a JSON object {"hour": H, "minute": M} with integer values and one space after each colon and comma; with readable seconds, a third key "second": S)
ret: {"hour": 6, "minute": 37}
